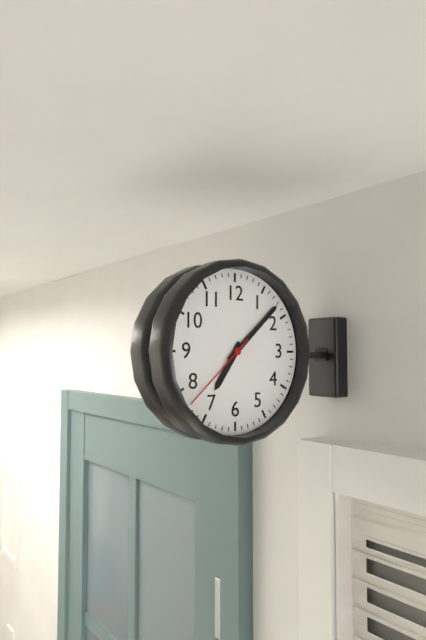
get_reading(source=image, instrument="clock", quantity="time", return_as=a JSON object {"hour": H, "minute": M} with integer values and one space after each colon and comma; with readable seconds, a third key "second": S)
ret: {"hour": 7, "minute": 8, "second": 38}
